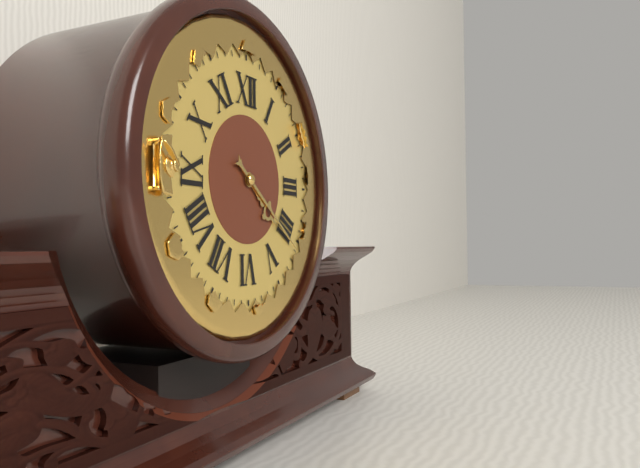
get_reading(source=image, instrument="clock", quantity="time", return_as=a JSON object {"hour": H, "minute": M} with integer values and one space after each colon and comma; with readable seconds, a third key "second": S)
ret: {"hour": 4, "minute": 21}
